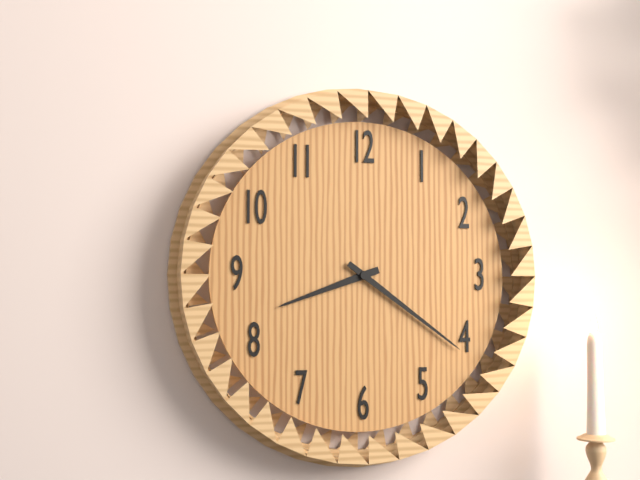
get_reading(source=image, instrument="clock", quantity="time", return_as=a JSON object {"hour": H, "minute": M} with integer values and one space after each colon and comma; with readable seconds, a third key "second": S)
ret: {"hour": 8, "minute": 21}
